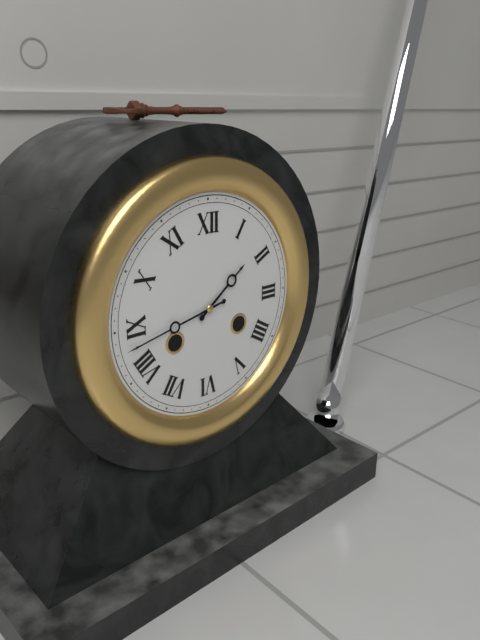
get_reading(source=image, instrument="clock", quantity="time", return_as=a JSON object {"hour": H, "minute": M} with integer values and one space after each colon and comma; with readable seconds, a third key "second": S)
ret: {"hour": 1, "minute": 43}
